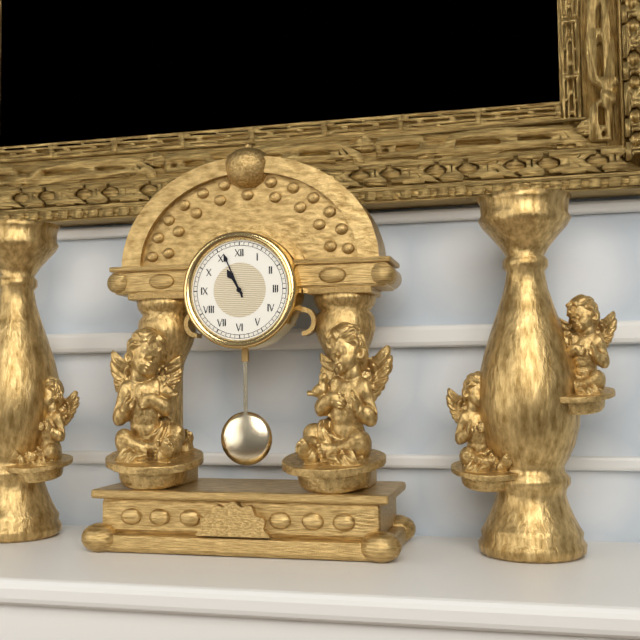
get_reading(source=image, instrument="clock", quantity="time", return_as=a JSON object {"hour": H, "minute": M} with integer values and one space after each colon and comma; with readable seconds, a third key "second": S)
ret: {"hour": 10, "minute": 56}
